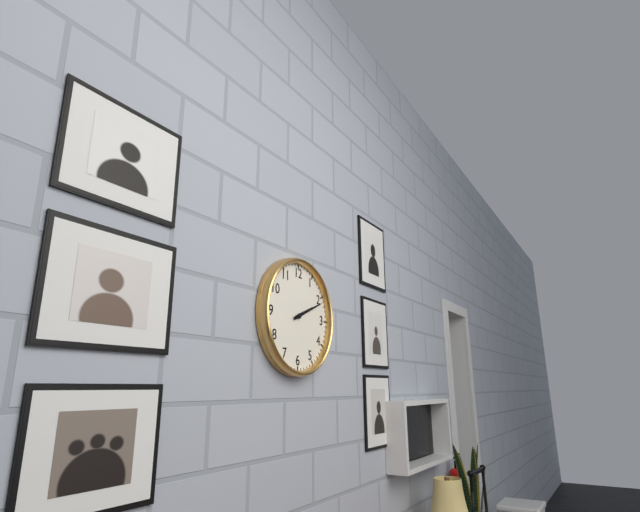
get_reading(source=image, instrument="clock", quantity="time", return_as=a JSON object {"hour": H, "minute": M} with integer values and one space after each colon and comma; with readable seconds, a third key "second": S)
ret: {"hour": 2, "minute": 11}
